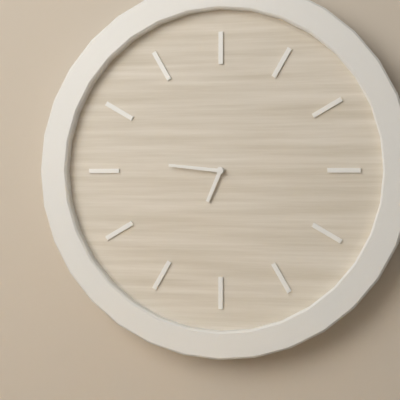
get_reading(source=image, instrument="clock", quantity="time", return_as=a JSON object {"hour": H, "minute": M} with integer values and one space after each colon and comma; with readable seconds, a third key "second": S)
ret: {"hour": 6, "minute": 46}
